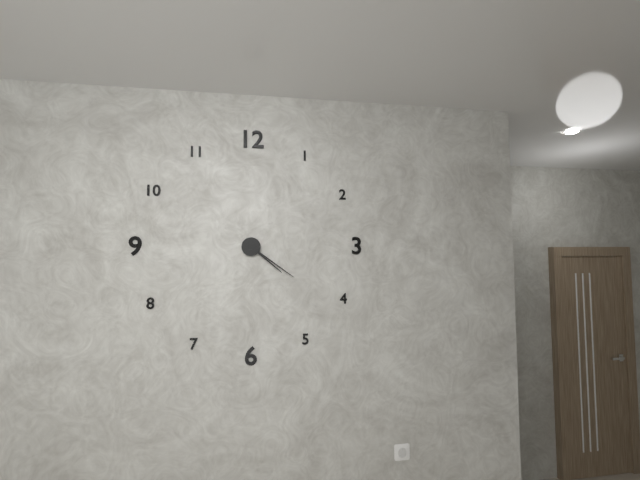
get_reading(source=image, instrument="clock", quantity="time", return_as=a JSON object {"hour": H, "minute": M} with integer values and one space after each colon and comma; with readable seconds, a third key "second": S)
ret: {"hour": 4, "minute": 21}
